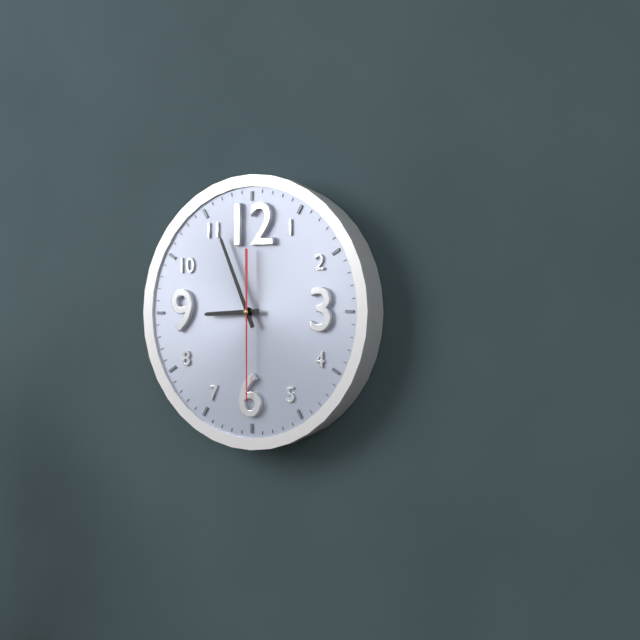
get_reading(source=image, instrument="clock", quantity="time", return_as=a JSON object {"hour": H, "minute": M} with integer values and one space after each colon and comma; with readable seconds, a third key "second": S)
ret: {"hour": 8, "minute": 56, "second": 30}
